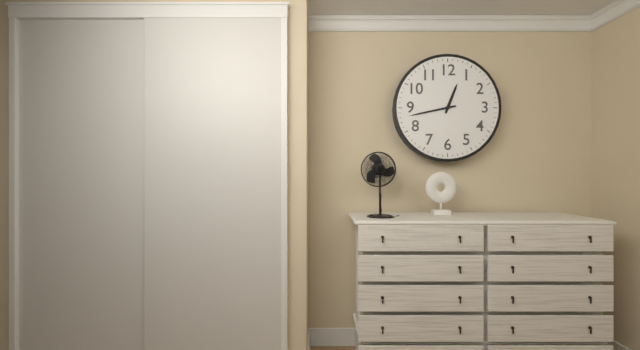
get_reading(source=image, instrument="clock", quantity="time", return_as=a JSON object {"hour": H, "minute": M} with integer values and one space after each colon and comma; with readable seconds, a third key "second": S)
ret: {"hour": 12, "minute": 43}
